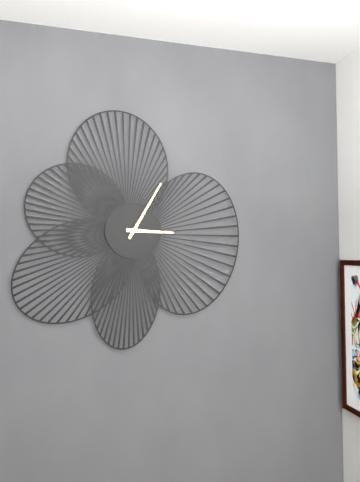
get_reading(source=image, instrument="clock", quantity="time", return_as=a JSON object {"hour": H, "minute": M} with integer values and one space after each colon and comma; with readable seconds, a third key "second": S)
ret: {"hour": 3, "minute": 5}
